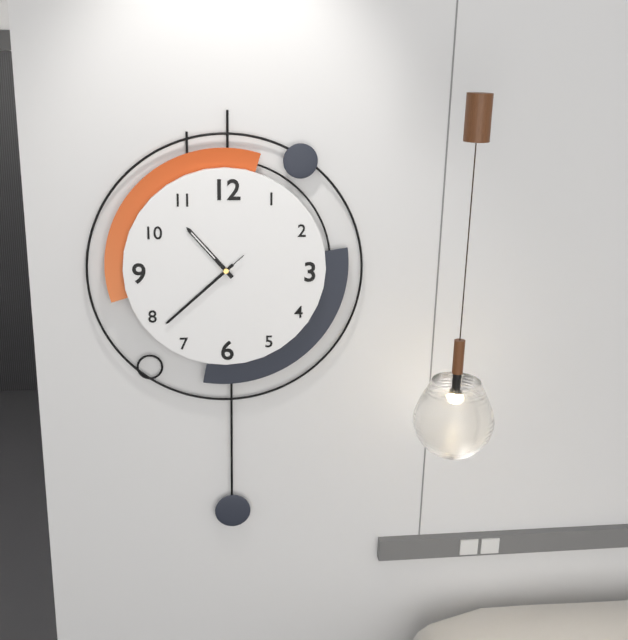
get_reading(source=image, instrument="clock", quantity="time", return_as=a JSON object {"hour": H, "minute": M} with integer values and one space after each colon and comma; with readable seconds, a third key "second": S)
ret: {"hour": 10, "minute": 38, "second": 38}
